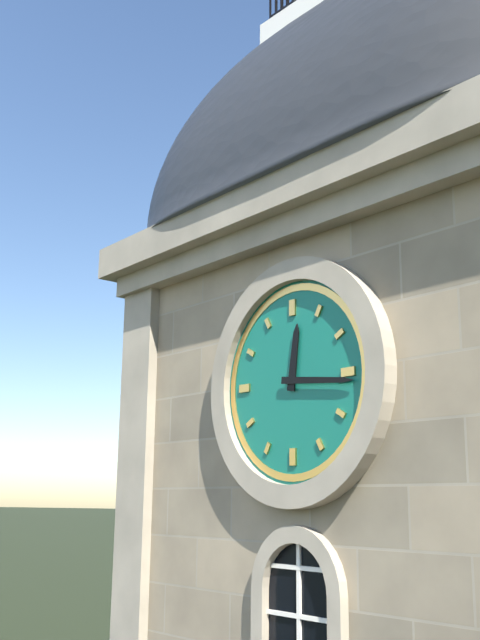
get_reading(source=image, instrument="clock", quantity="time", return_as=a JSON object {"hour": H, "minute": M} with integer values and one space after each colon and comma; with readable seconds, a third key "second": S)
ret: {"hour": 12, "minute": 16}
